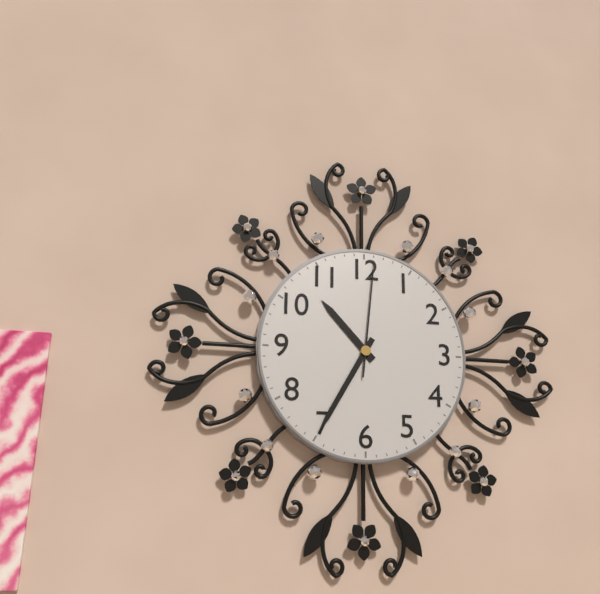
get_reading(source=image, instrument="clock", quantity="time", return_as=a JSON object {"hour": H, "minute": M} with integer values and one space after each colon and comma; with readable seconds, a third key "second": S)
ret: {"hour": 10, "minute": 35, "second": 1}
